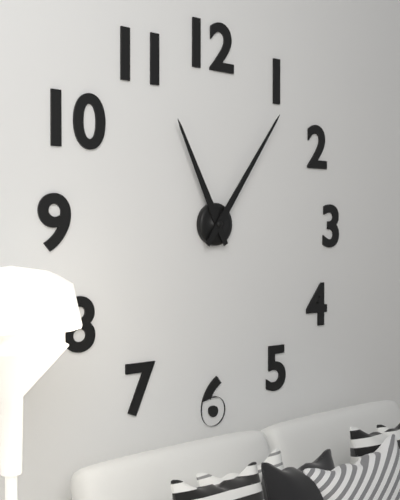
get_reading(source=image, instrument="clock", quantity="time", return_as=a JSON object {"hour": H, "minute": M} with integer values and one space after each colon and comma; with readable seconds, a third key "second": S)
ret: {"hour": 11, "minute": 6}
